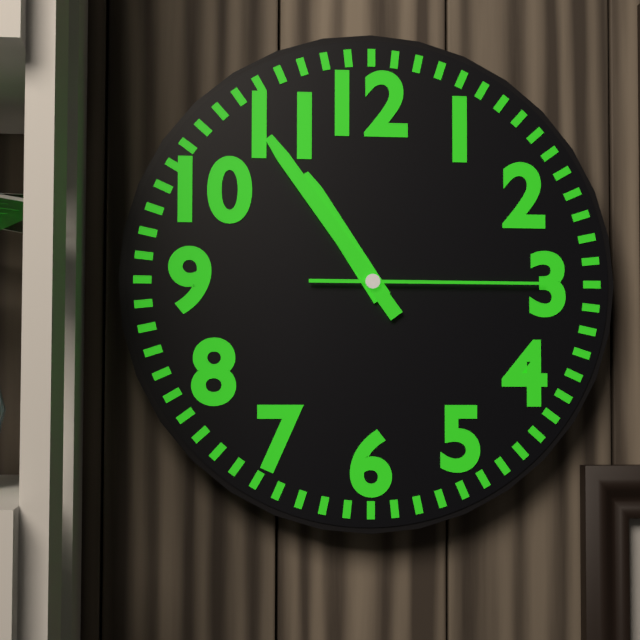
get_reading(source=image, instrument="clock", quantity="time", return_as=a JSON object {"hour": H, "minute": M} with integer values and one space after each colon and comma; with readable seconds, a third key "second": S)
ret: {"hour": 10, "minute": 54, "second": 15}
